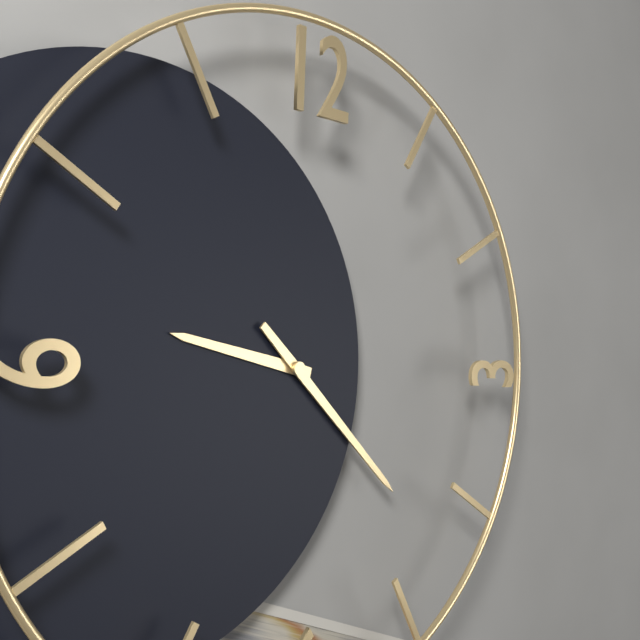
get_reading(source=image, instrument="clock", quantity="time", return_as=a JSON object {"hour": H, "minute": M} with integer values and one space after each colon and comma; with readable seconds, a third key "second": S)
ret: {"hour": 9, "minute": 22}
